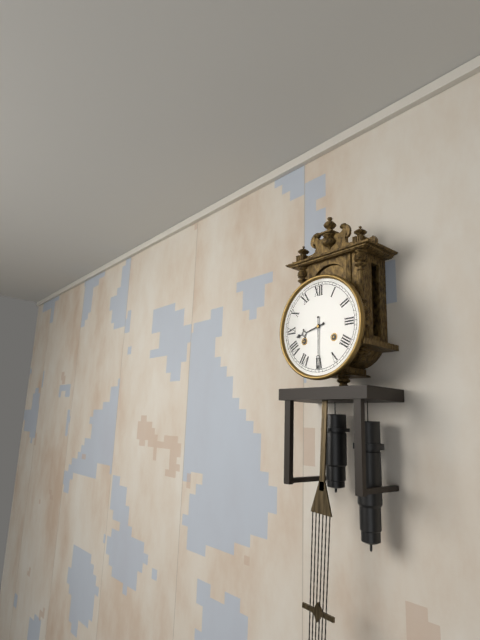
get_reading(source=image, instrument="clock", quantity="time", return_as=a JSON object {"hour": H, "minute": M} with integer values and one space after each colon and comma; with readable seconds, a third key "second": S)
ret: {"hour": 8, "minute": 30}
